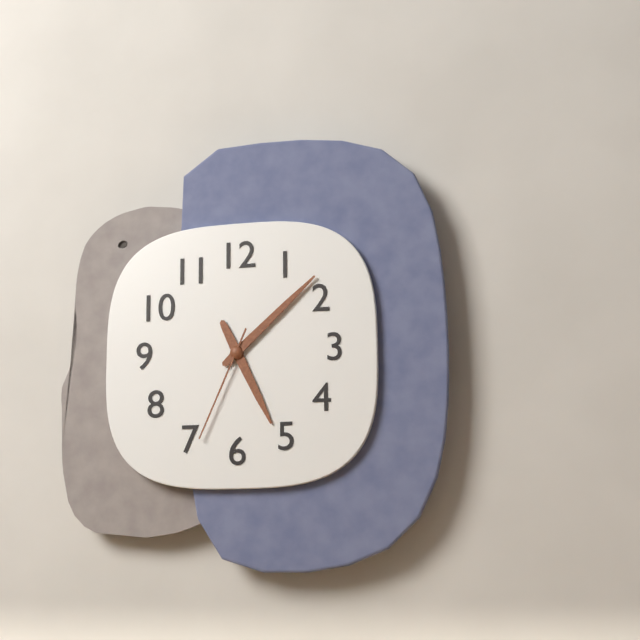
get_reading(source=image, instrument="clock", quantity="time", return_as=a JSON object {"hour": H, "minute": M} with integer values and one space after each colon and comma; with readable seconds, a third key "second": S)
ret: {"hour": 5, "minute": 8, "second": 34}
